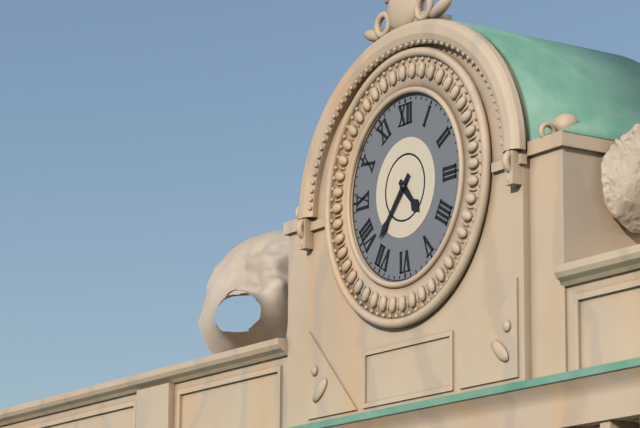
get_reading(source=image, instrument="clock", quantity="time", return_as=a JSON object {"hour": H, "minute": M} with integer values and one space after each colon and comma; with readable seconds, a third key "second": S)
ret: {"hour": 4, "minute": 37}
